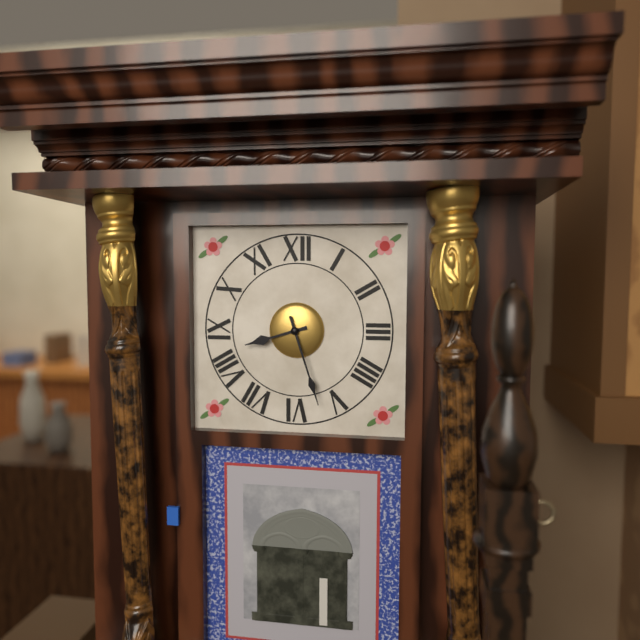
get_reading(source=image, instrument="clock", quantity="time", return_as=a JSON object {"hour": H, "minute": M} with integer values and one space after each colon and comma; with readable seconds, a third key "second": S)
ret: {"hour": 8, "minute": 27}
